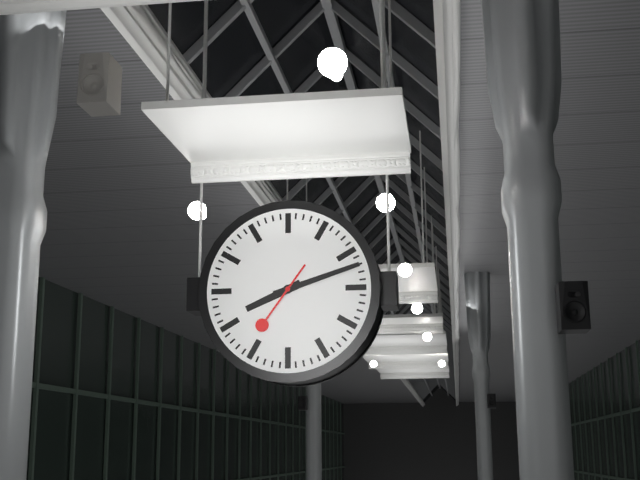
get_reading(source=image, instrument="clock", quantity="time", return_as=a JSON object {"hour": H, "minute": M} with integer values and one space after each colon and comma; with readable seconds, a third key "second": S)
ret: {"hour": 8, "minute": 12, "second": 36}
